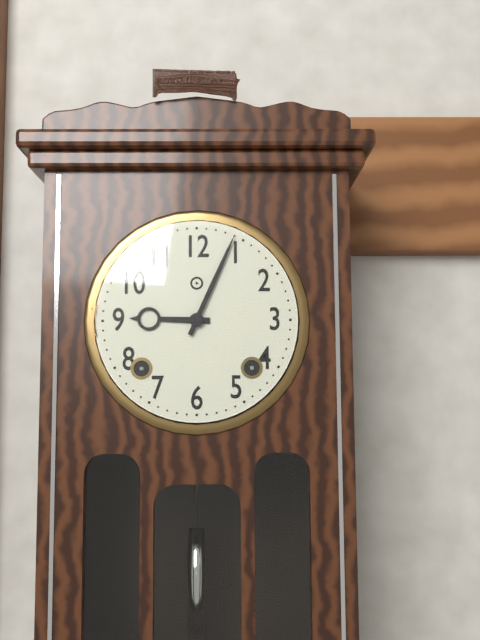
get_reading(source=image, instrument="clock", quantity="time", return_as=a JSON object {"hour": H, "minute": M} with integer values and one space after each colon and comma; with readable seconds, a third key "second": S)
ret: {"hour": 9, "minute": 4}
